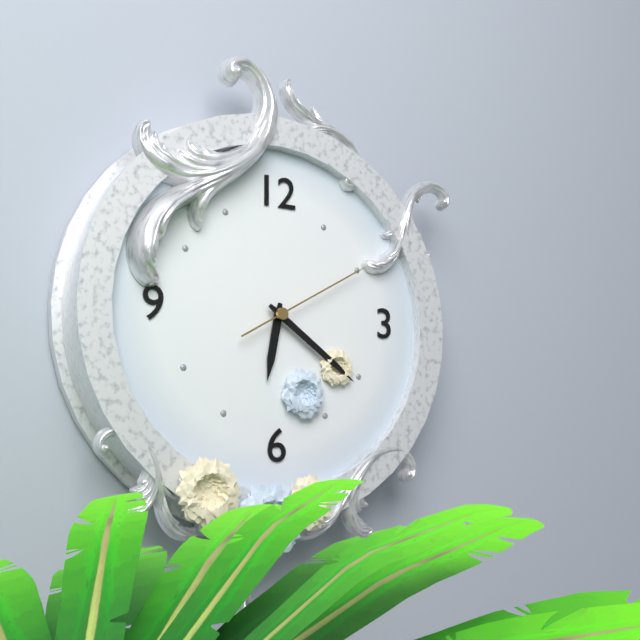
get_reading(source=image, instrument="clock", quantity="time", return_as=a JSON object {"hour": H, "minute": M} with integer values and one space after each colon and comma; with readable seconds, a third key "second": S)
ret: {"hour": 6, "minute": 21, "second": 10}
